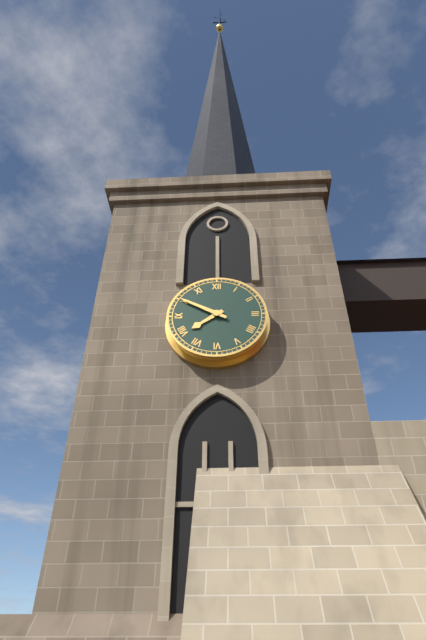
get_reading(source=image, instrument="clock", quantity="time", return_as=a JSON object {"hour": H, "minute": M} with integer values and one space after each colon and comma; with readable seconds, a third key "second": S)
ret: {"hour": 7, "minute": 50}
